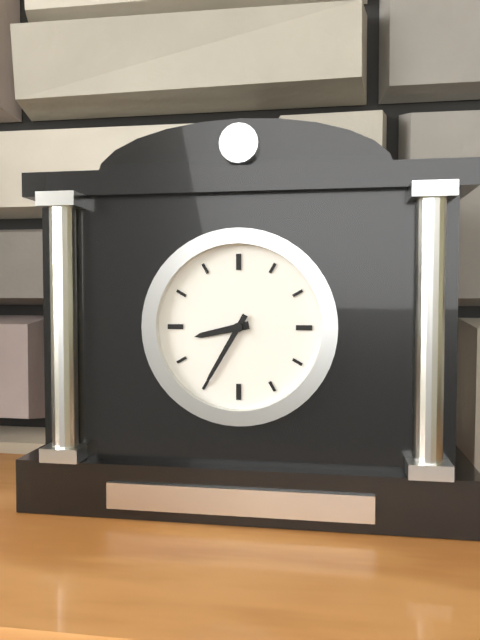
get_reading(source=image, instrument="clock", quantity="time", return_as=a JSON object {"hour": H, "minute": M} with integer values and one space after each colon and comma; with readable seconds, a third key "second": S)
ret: {"hour": 8, "minute": 35}
